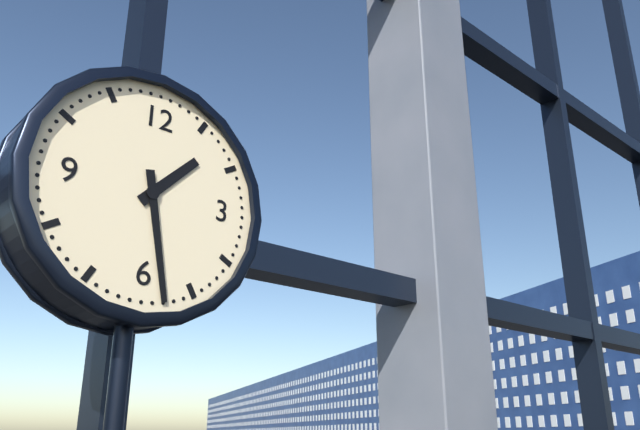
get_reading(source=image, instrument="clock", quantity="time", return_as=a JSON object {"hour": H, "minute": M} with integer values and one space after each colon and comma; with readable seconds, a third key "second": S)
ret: {"hour": 1, "minute": 28}
